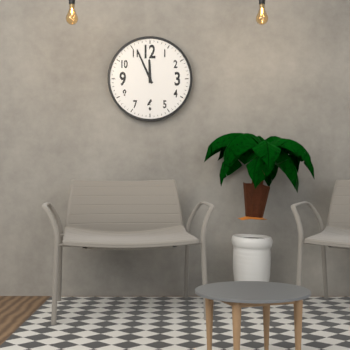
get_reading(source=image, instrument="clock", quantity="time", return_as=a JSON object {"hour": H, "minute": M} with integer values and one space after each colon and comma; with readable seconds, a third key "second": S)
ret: {"hour": 11, "minute": 56}
